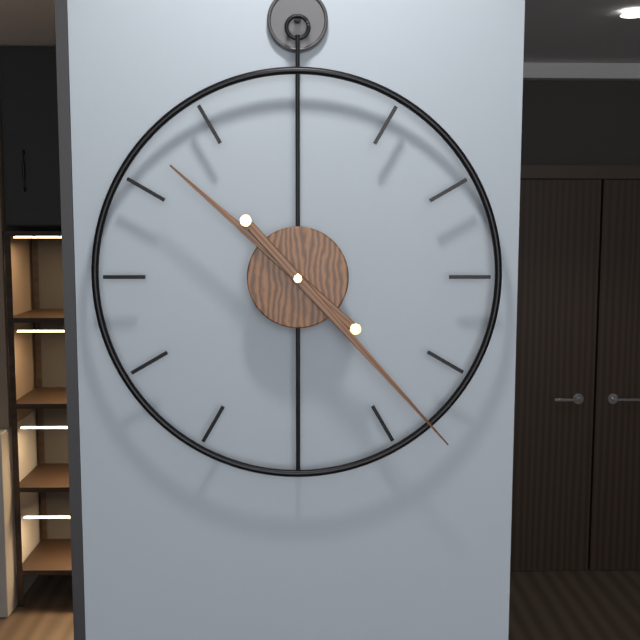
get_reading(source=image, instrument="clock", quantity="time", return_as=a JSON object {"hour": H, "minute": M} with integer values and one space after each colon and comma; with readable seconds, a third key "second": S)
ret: {"hour": 10, "minute": 23}
